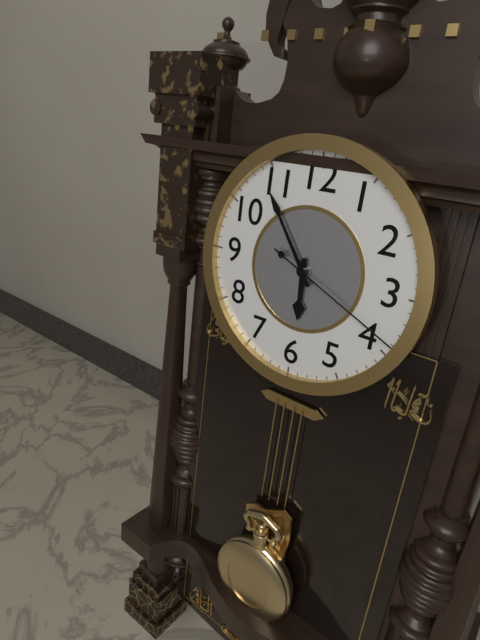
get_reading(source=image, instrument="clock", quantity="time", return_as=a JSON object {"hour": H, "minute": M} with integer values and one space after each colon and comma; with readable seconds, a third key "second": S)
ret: {"hour": 5, "minute": 54, "second": 19}
